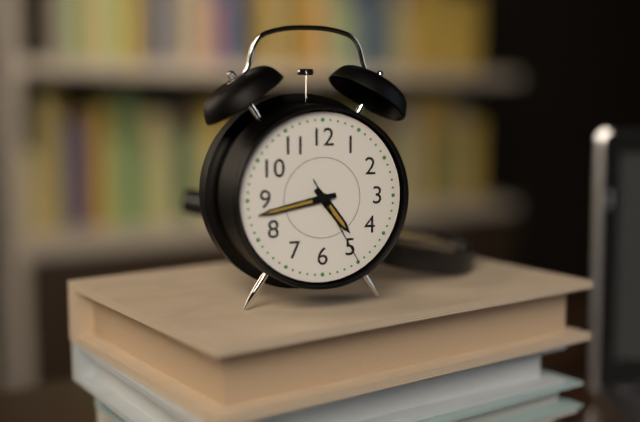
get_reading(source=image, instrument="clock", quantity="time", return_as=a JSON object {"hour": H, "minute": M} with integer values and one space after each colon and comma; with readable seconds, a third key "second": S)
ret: {"hour": 4, "minute": 43, "second": 25}
